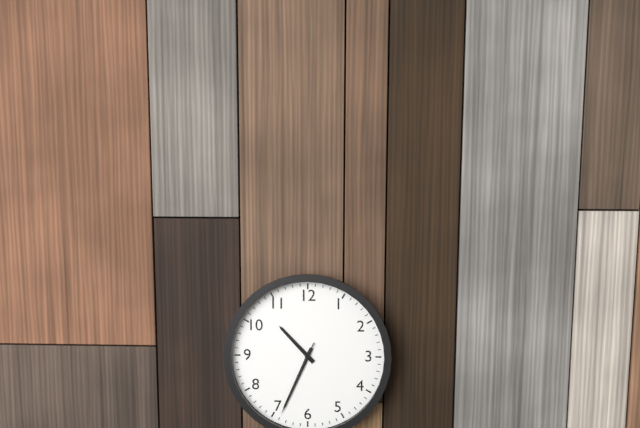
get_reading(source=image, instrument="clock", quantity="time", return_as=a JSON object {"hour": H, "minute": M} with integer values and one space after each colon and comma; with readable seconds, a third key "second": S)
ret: {"hour": 10, "minute": 34, "second": 34}
